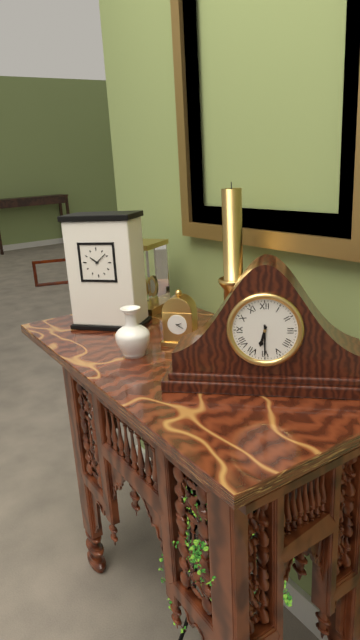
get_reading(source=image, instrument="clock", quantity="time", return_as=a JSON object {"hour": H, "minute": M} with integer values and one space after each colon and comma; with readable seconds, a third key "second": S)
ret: {"hour": 6, "minute": 30}
